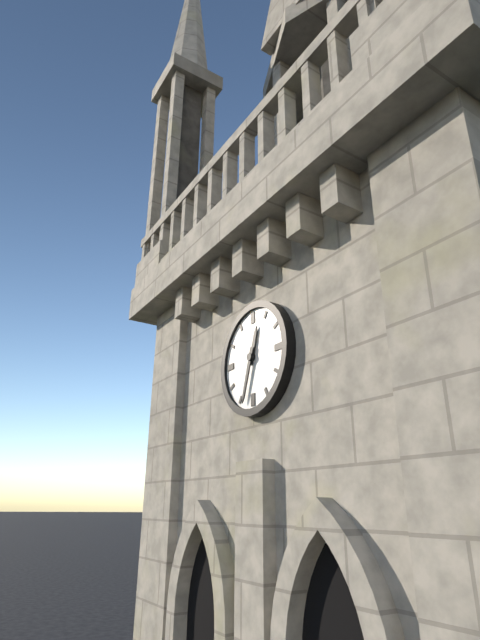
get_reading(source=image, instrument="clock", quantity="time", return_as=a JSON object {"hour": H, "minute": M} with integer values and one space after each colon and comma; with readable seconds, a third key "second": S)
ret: {"hour": 12, "minute": 33}
